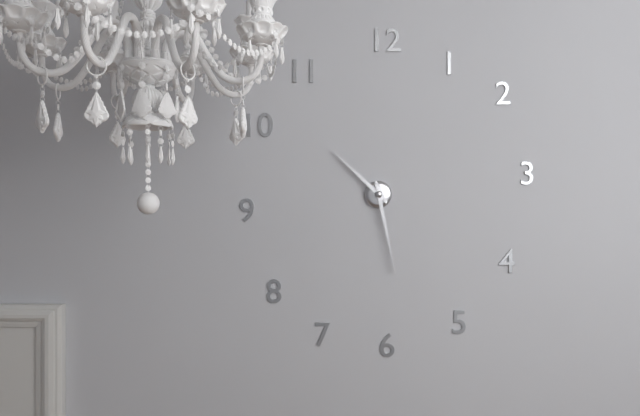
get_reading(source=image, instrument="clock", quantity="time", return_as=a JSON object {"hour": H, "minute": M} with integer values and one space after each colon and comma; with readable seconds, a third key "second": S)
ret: {"hour": 10, "minute": 28}
